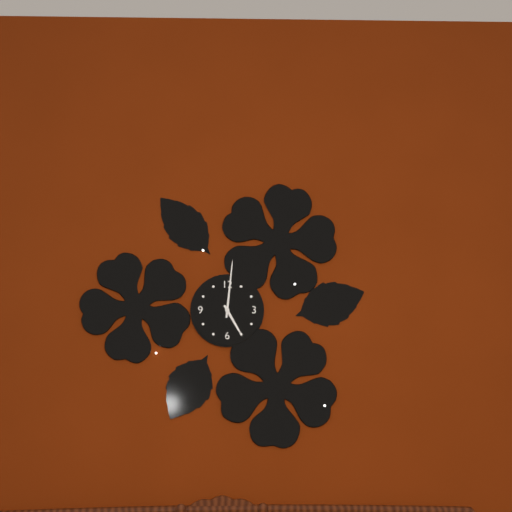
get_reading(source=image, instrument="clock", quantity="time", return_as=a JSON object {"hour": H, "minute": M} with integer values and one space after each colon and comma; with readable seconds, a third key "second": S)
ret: {"hour": 5, "minute": 1}
